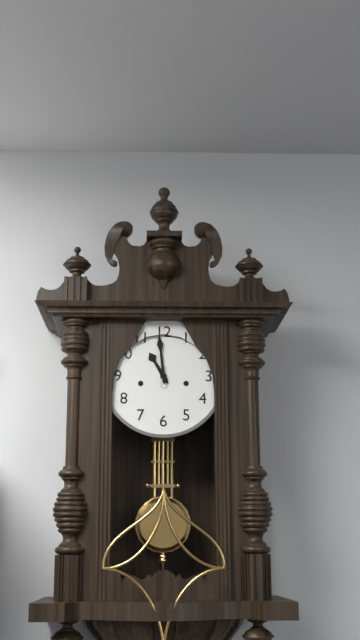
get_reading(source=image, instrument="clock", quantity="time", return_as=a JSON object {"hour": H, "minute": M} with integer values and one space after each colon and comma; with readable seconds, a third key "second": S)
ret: {"hour": 10, "minute": 59}
